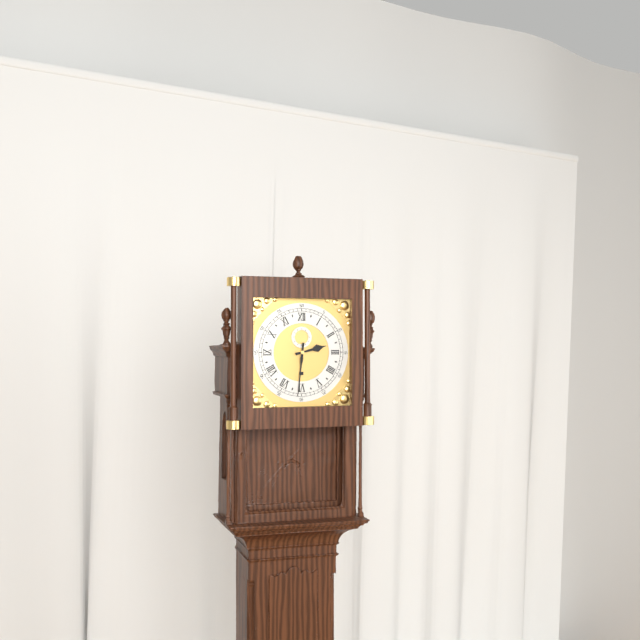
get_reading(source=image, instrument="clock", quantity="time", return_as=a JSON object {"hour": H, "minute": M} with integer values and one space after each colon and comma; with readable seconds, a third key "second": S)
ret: {"hour": 2, "minute": 31}
